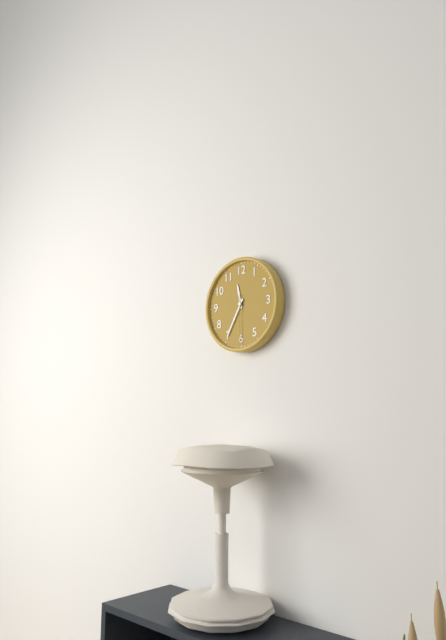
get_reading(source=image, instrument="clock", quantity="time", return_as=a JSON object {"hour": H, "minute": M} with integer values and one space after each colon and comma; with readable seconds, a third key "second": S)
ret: {"hour": 11, "minute": 35, "second": 30}
